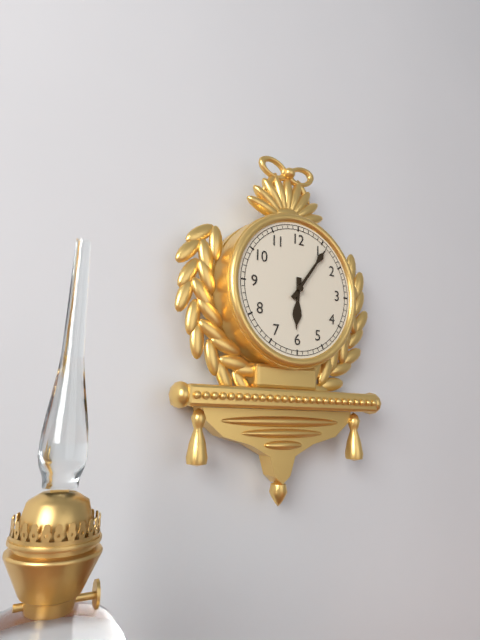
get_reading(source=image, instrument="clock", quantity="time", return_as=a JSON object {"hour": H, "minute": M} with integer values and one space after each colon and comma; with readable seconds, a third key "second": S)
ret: {"hour": 6, "minute": 6}
